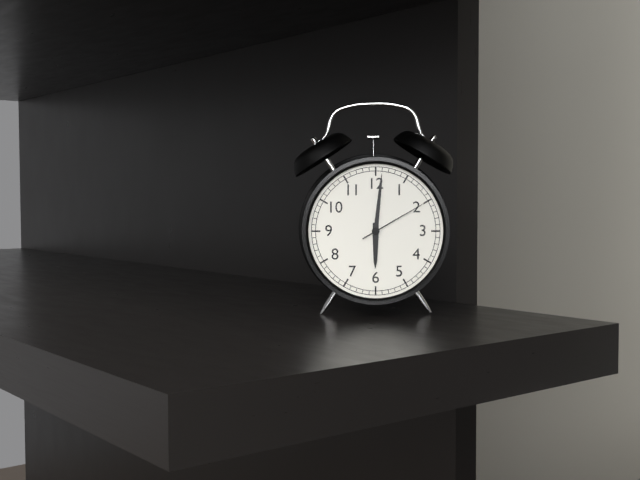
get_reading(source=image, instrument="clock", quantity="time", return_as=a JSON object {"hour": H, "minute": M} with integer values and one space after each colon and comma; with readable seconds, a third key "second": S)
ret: {"hour": 6, "minute": 1, "second": 10}
